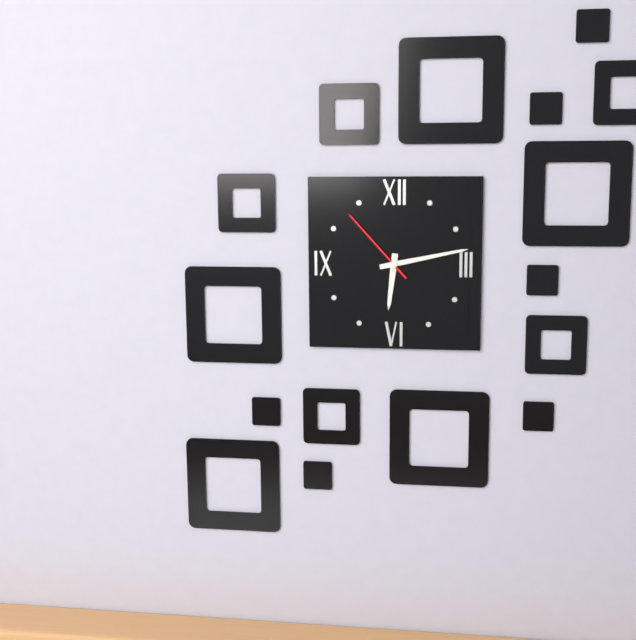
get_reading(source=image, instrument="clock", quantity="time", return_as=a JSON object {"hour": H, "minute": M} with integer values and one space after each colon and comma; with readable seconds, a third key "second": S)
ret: {"hour": 6, "minute": 13, "second": 53}
